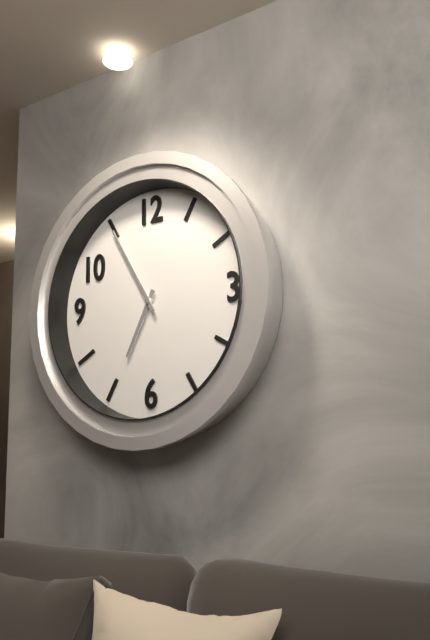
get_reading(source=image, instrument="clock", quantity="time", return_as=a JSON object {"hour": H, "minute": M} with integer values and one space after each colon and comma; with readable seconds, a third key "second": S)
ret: {"hour": 6, "minute": 55}
